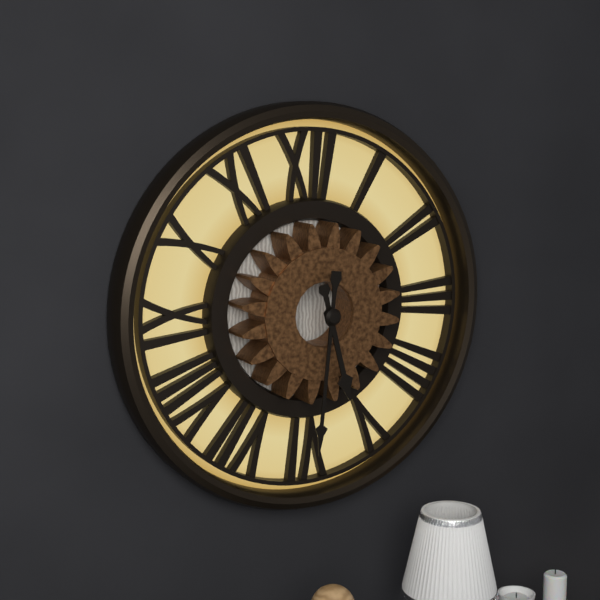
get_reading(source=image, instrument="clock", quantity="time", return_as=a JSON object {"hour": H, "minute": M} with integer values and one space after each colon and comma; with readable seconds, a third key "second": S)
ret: {"hour": 5, "minute": 31}
